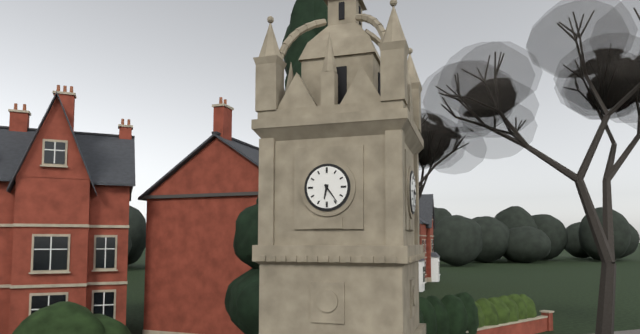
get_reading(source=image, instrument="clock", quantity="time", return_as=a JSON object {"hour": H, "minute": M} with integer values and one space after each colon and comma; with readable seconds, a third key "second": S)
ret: {"hour": 6, "minute": 24}
